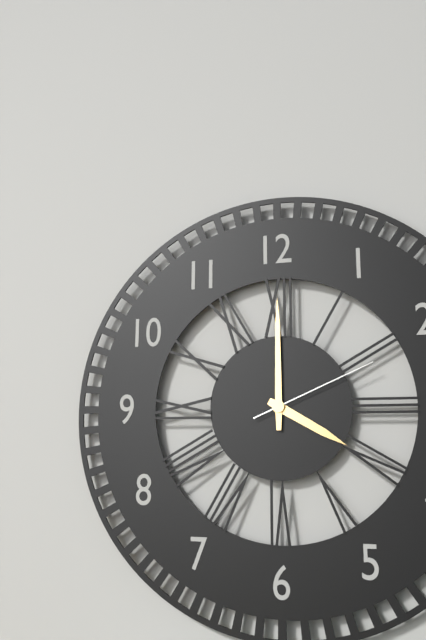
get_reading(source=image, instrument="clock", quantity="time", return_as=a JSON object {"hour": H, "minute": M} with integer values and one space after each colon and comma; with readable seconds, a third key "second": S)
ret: {"hour": 4, "minute": 0, "second": 11}
